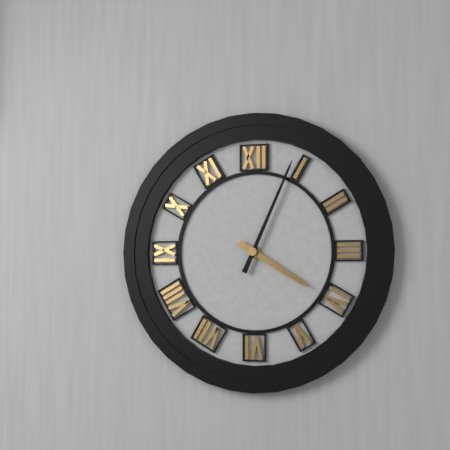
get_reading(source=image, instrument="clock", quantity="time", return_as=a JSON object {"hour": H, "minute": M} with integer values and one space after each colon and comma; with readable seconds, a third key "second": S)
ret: {"hour": 4, "minute": 4}
